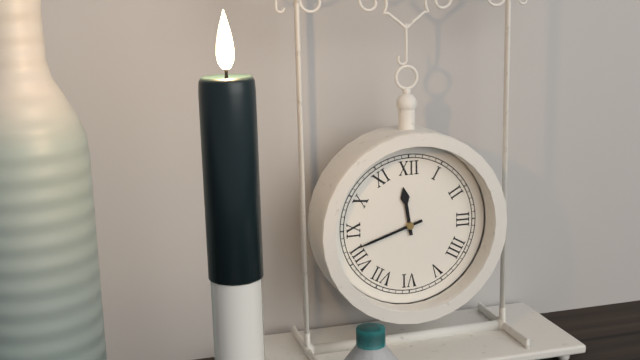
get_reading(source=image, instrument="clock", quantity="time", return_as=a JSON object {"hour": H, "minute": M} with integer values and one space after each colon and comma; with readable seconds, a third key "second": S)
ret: {"hour": 11, "minute": 42}
